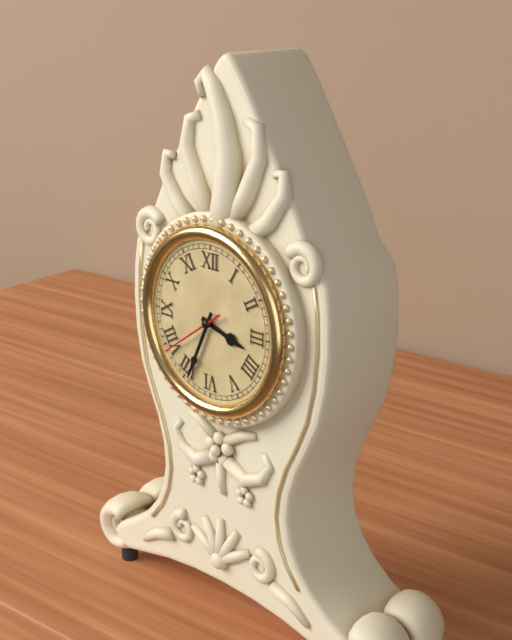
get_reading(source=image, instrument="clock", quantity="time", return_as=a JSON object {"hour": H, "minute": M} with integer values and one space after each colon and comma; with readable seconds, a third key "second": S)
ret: {"hour": 3, "minute": 34, "second": 39}
